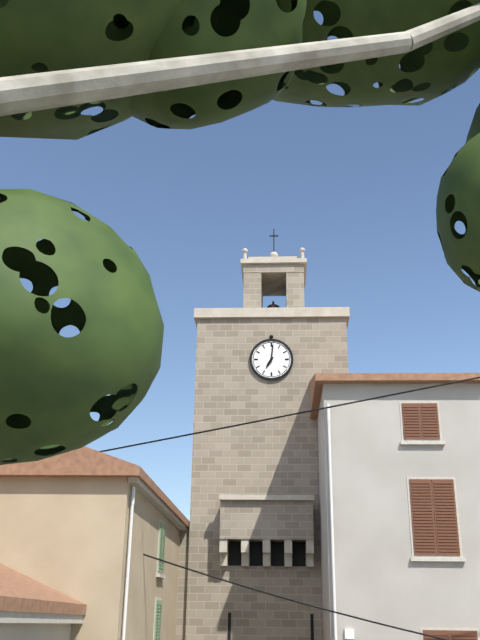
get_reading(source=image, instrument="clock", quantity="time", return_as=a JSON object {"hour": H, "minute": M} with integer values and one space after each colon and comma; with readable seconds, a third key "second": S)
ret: {"hour": 7, "minute": 1}
